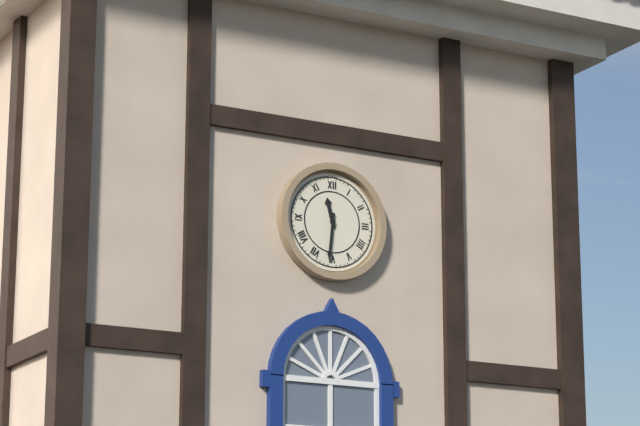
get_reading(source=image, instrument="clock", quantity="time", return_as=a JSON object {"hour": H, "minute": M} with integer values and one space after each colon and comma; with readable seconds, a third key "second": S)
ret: {"hour": 11, "minute": 31}
